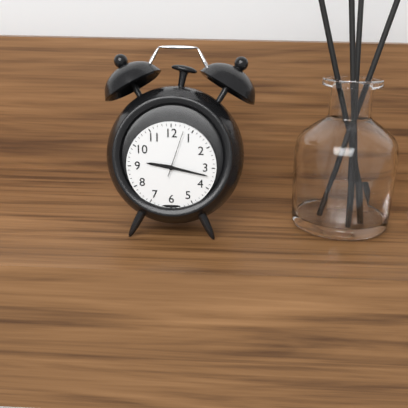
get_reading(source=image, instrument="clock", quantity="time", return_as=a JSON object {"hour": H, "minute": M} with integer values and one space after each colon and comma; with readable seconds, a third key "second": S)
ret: {"hour": 9, "minute": 17}
